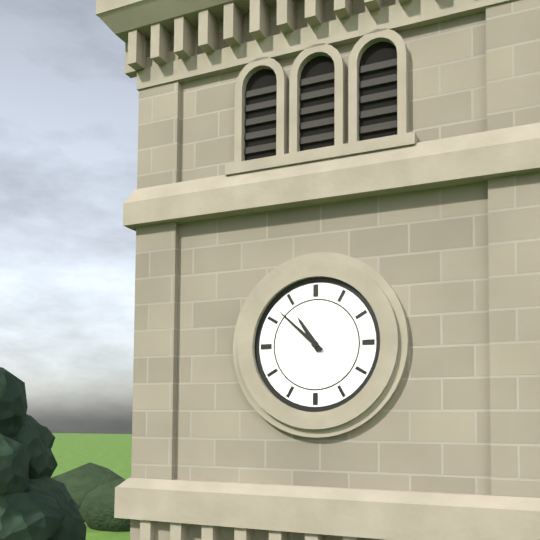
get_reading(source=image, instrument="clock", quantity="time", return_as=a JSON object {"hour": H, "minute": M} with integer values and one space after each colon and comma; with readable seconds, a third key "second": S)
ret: {"hour": 10, "minute": 52}
